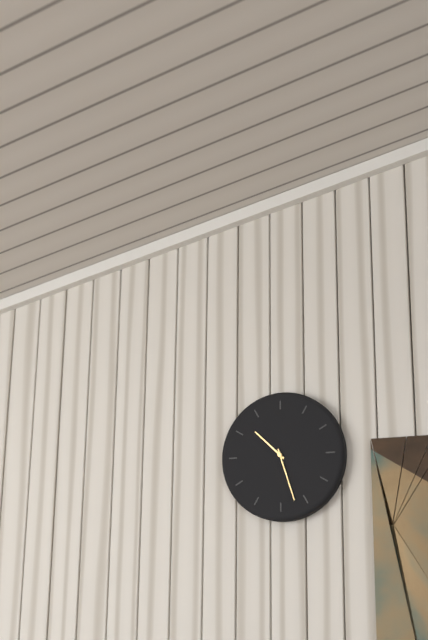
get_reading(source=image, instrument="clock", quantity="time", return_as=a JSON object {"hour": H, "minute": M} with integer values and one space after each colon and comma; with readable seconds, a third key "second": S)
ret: {"hour": 10, "minute": 27}
